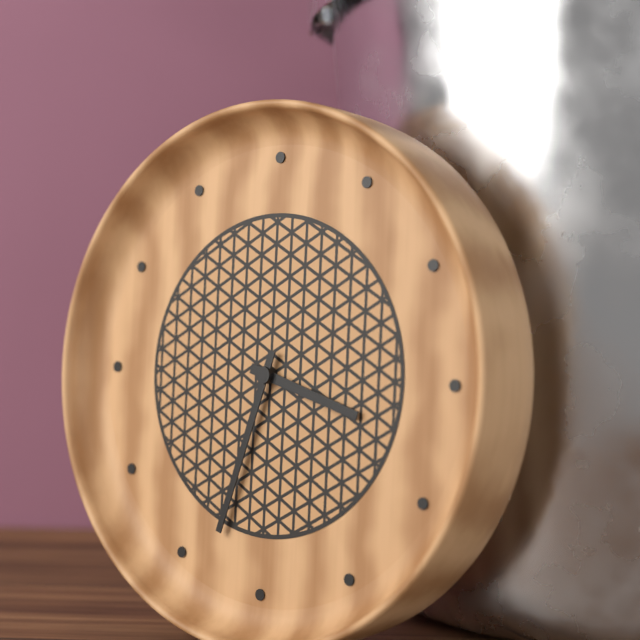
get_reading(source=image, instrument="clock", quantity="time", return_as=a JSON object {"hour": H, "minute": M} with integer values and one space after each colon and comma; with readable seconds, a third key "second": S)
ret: {"hour": 3, "minute": 33}
